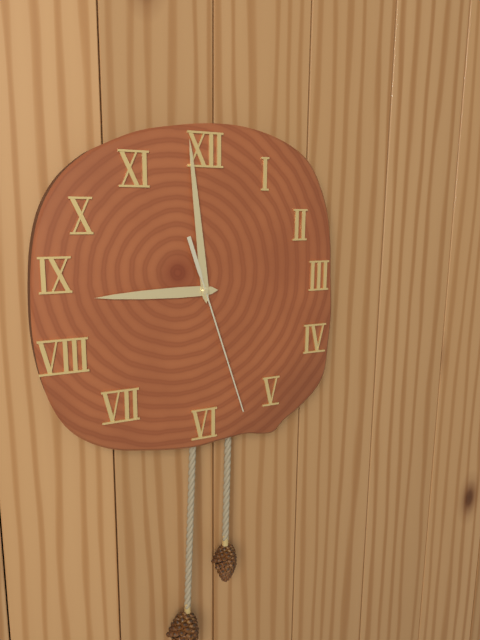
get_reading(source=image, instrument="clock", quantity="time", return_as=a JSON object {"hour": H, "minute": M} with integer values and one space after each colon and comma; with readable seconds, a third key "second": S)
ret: {"hour": 8, "minute": 59, "second": 27}
